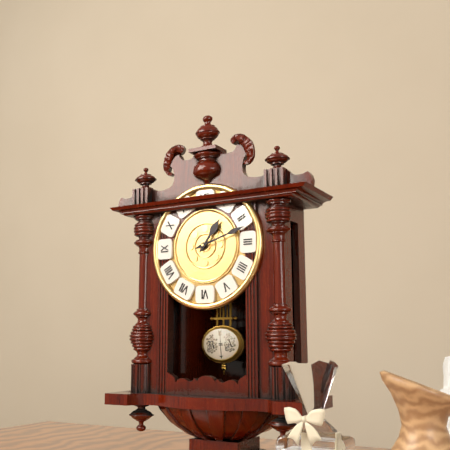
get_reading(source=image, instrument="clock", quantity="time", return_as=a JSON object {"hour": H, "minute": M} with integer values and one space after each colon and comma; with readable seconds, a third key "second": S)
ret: {"hour": 1, "minute": 12}
